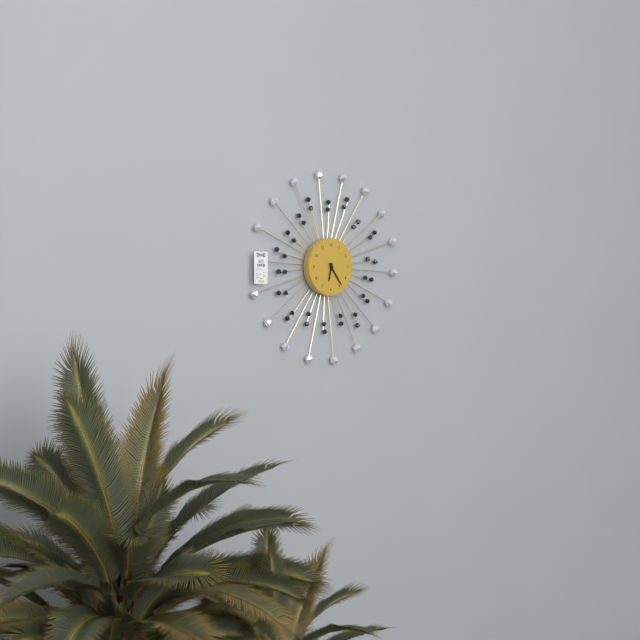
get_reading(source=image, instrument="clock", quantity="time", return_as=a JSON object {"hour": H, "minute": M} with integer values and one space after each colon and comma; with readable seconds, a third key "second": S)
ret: {"hour": 6, "minute": 24}
